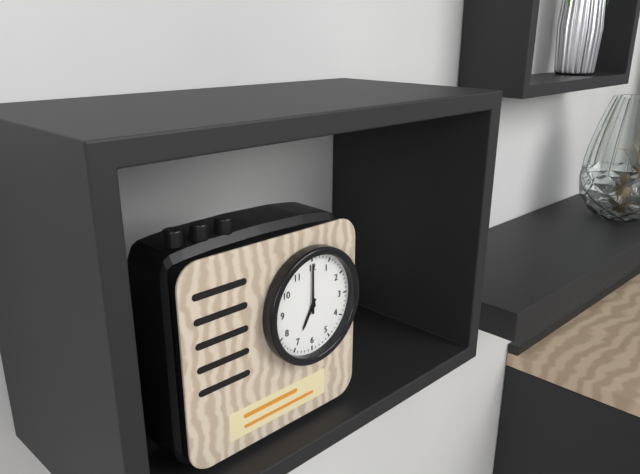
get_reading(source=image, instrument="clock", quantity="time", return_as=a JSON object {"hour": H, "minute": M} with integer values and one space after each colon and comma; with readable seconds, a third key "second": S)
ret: {"hour": 7, "minute": 0}
